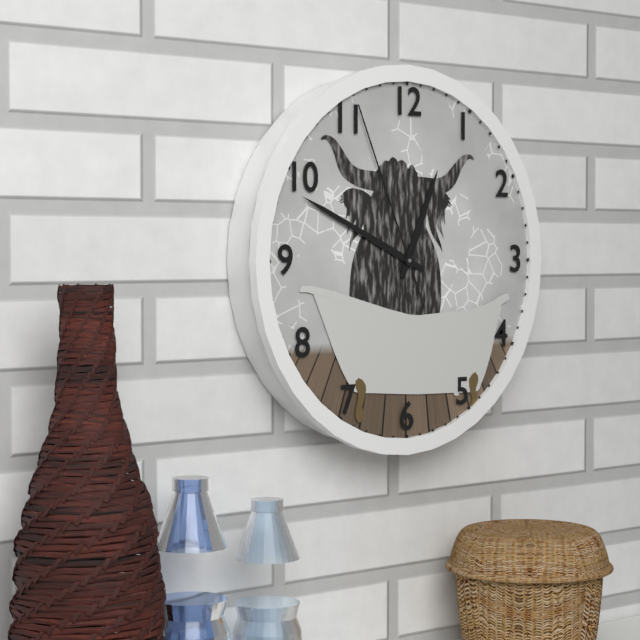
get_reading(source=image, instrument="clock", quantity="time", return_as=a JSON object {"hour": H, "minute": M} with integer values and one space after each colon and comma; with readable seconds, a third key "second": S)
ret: {"hour": 12, "minute": 49, "second": 56}
